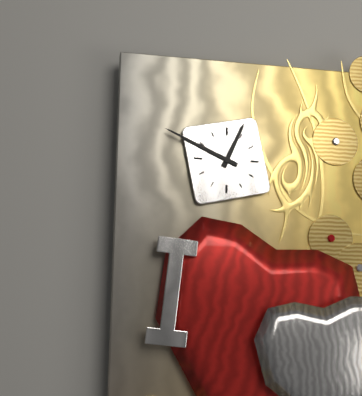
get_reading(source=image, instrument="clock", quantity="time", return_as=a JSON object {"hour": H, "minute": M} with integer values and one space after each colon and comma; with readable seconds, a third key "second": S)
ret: {"hour": 12, "minute": 49}
